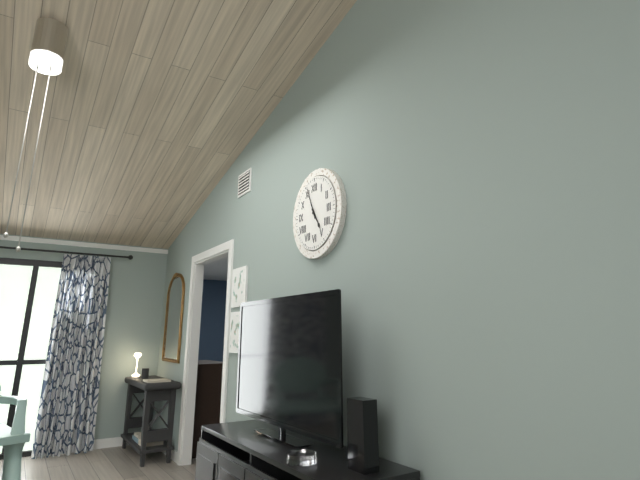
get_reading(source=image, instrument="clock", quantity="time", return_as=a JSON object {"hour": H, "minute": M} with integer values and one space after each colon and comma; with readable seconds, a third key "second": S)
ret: {"hour": 4, "minute": 56}
